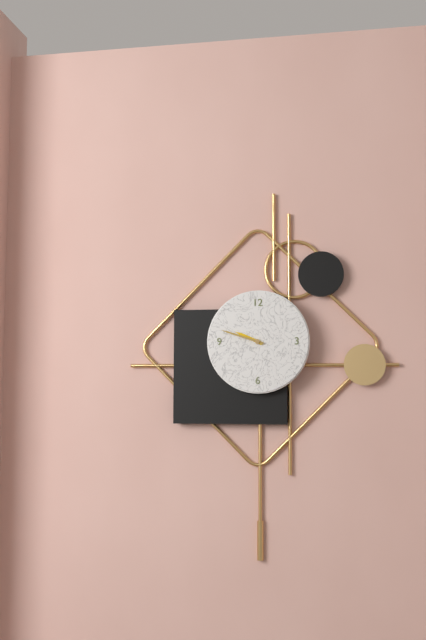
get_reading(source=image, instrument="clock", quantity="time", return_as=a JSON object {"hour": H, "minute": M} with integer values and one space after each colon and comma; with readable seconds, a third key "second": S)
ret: {"hour": 9, "minute": 48}
